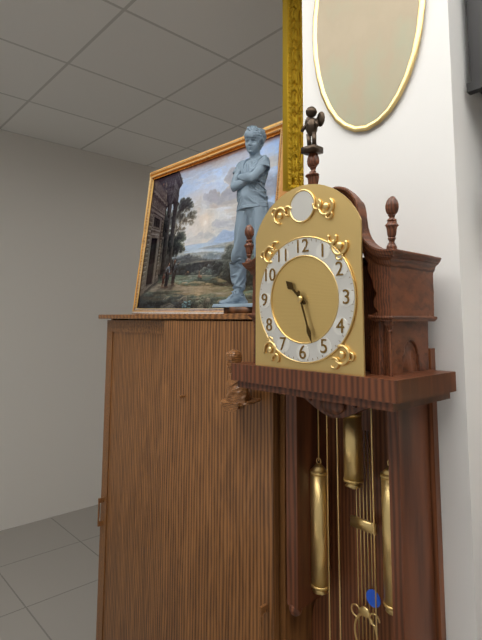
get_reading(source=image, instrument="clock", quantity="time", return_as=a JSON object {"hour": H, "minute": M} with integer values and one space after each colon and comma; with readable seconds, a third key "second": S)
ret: {"hour": 10, "minute": 27}
